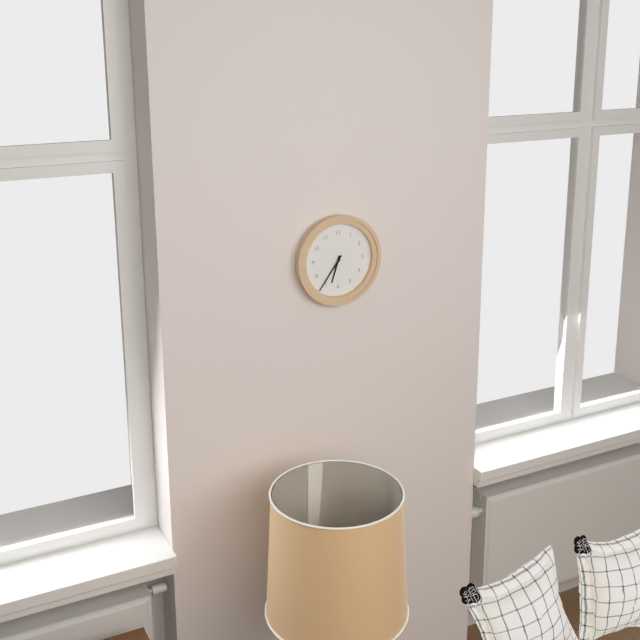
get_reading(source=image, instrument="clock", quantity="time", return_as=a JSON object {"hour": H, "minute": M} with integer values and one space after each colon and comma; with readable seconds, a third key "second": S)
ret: {"hour": 6, "minute": 36}
